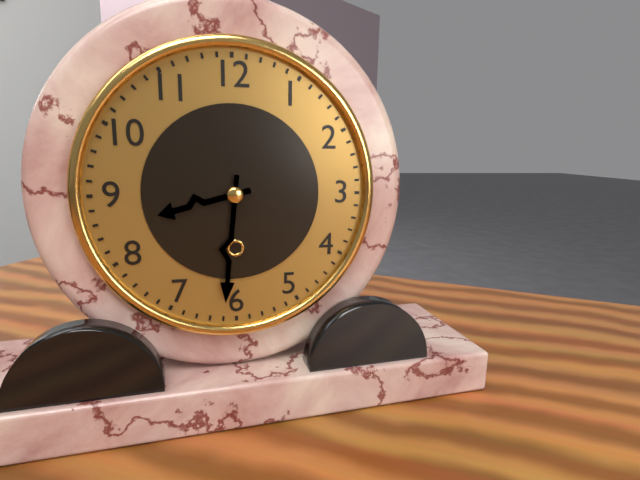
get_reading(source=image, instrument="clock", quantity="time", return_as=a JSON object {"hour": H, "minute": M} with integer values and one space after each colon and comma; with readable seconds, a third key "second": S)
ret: {"hour": 8, "minute": 31}
